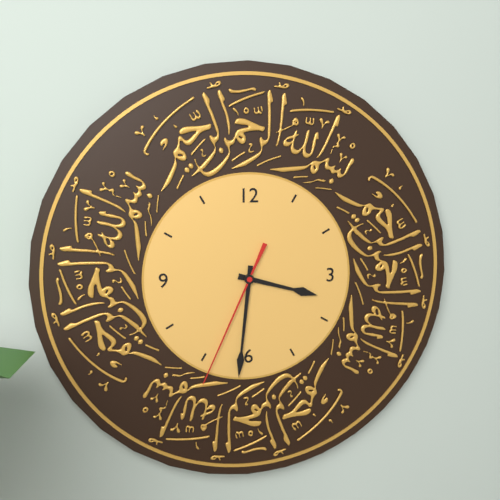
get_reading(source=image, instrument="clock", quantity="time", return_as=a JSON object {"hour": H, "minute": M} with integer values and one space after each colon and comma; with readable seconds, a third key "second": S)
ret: {"hour": 3, "minute": 31, "second": 34}
